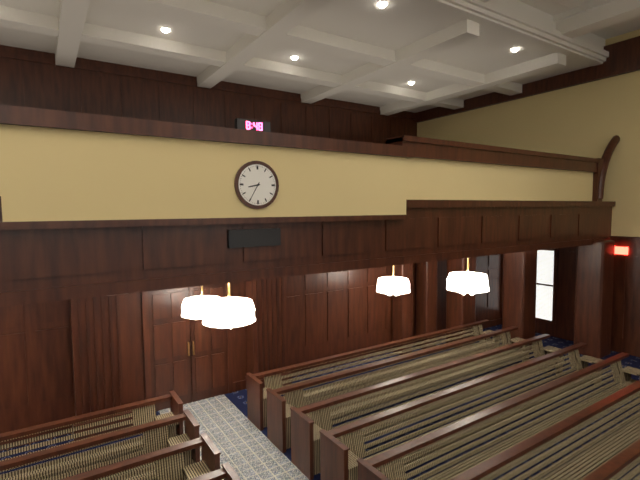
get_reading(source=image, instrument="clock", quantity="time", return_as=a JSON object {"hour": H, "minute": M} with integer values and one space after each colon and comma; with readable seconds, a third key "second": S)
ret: {"hour": 8, "minute": 35}
